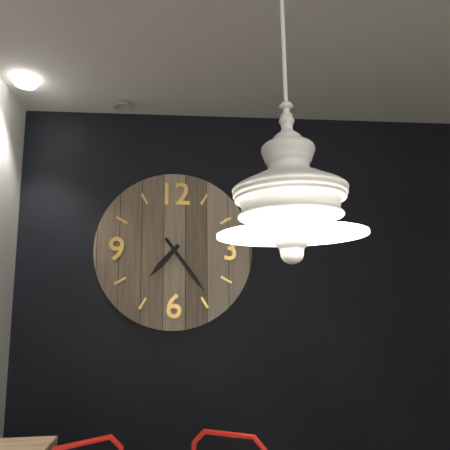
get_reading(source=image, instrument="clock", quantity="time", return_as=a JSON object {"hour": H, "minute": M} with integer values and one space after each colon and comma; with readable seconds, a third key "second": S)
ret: {"hour": 7, "minute": 24}
